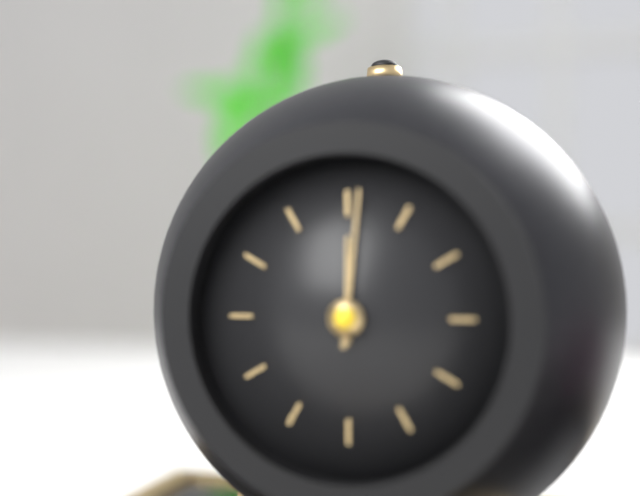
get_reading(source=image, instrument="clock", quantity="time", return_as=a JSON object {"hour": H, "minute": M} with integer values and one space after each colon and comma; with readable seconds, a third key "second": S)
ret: {"hour": 12, "minute": 1}
